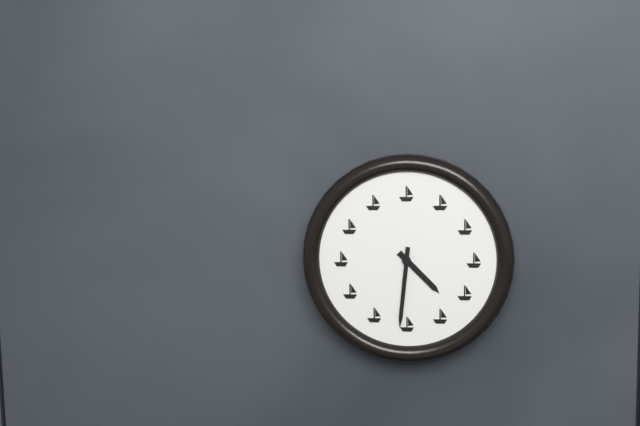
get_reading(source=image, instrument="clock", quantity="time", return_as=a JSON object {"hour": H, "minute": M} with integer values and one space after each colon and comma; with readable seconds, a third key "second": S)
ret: {"hour": 4, "minute": 31}
